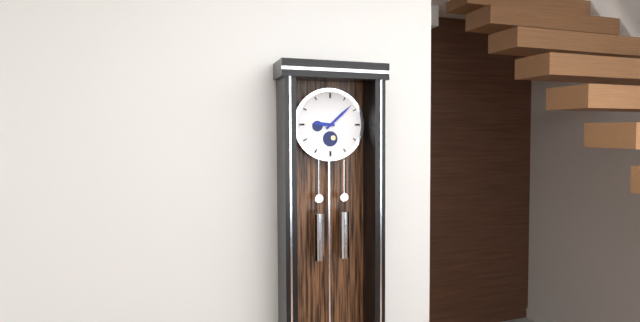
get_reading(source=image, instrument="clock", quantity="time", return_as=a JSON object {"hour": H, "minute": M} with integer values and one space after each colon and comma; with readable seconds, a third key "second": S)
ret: {"hour": 9, "minute": 8}
